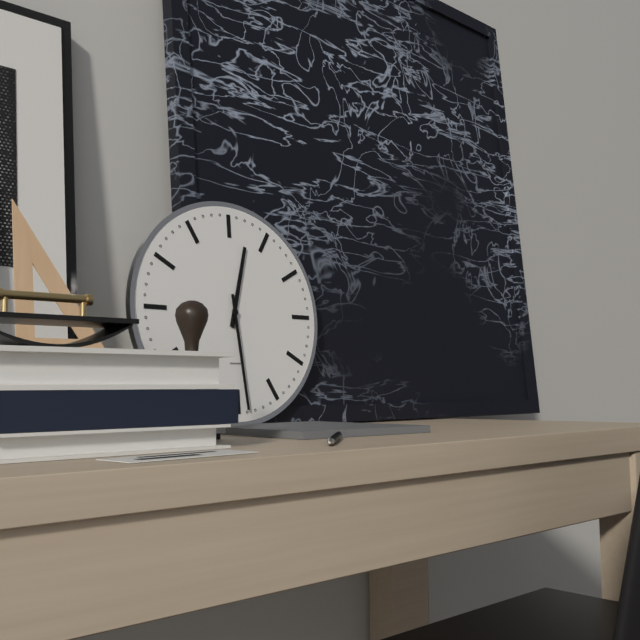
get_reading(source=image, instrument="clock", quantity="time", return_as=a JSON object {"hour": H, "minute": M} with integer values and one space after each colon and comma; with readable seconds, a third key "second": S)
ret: {"hour": 12, "minute": 29}
